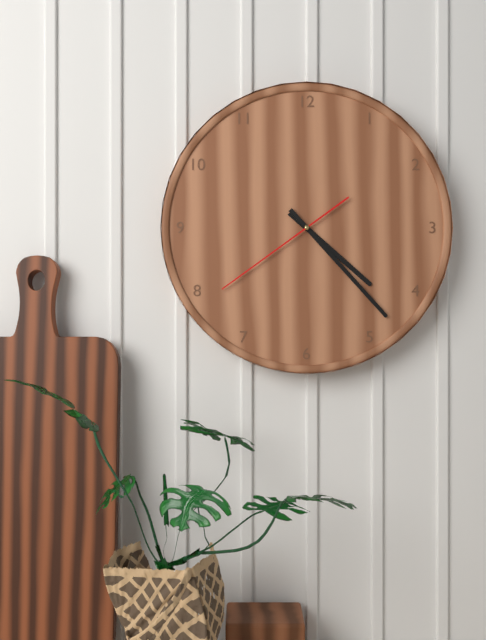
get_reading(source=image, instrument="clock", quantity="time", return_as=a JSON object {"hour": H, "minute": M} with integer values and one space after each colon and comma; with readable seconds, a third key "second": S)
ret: {"hour": 4, "minute": 23, "second": 39}
